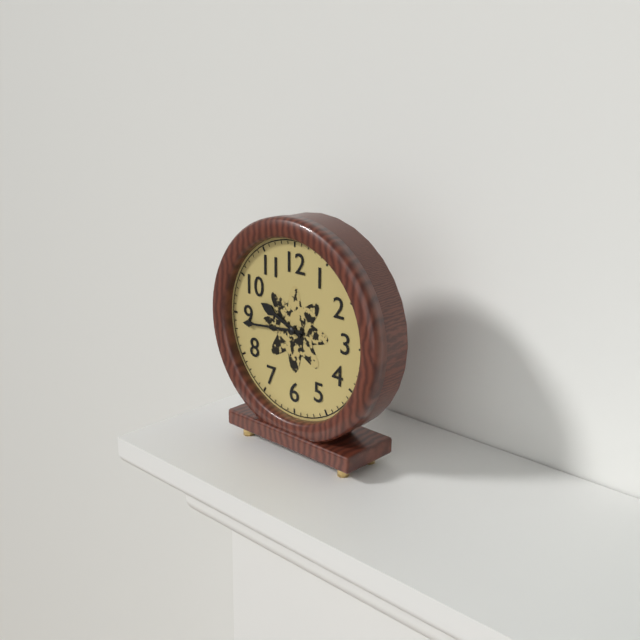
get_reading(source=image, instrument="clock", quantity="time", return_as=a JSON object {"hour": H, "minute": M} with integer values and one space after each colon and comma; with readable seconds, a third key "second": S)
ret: {"hour": 9, "minute": 44}
